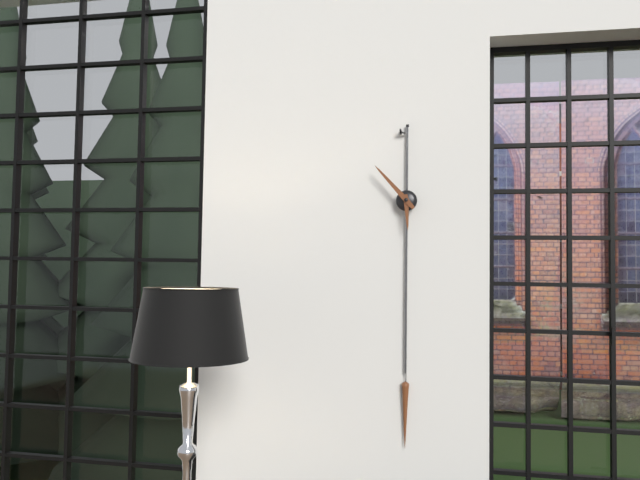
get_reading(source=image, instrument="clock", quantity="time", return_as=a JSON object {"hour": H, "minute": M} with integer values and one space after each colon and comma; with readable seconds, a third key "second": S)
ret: {"hour": 5, "minute": 53}
